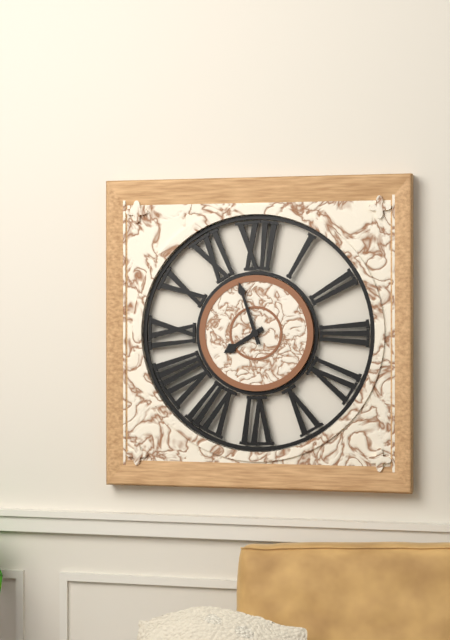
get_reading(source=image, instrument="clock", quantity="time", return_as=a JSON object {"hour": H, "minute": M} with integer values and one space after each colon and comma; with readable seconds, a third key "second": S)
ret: {"hour": 7, "minute": 57}
